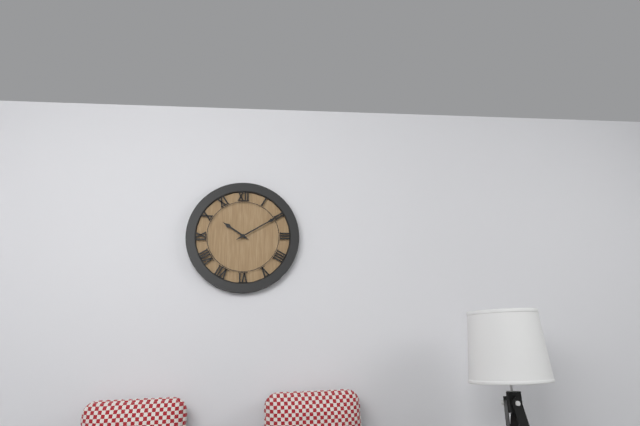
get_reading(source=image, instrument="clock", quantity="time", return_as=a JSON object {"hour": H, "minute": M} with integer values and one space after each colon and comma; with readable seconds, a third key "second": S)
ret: {"hour": 10, "minute": 10}
